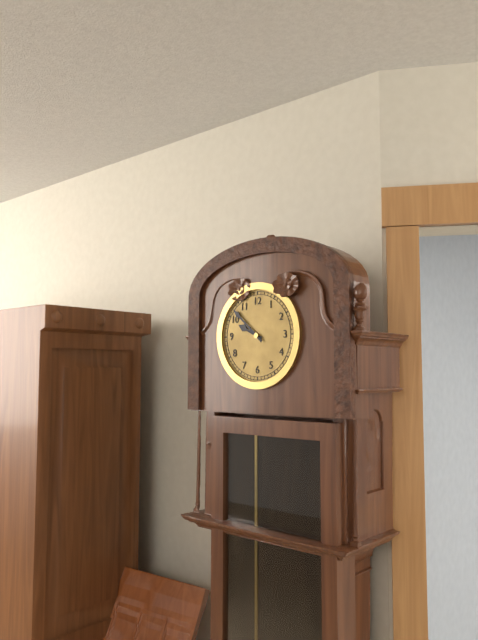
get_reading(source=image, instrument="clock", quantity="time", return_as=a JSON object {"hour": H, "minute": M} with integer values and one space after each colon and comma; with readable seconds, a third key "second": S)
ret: {"hour": 9, "minute": 52}
